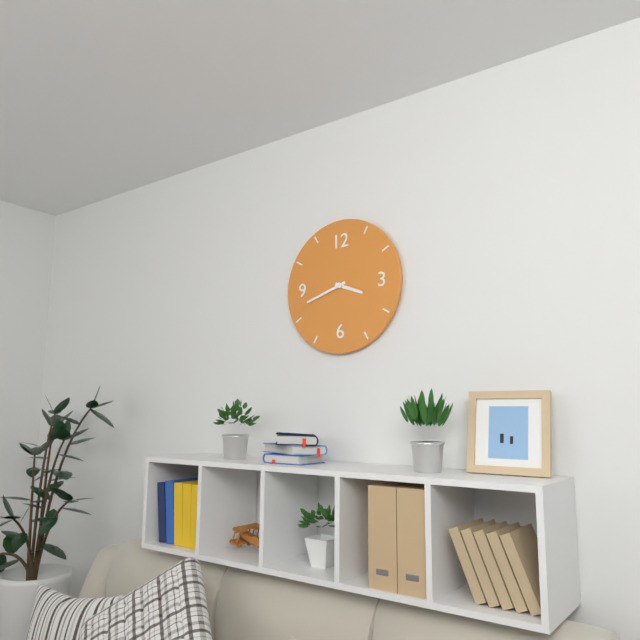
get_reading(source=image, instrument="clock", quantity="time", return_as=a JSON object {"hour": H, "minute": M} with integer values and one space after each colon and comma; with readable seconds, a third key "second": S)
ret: {"hour": 3, "minute": 42}
